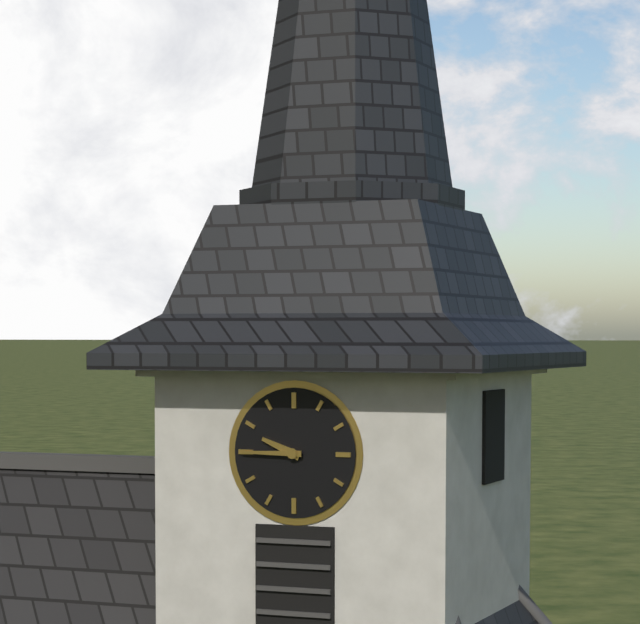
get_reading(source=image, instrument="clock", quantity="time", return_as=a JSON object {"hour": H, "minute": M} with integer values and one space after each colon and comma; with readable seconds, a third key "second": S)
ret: {"hour": 9, "minute": 45}
